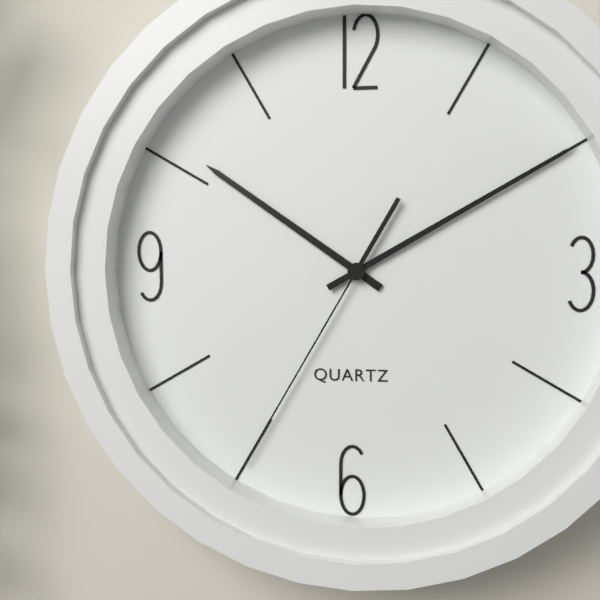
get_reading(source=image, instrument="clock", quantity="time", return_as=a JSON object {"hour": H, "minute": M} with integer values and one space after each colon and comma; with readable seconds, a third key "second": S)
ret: {"hour": 10, "minute": 10, "second": 35}
